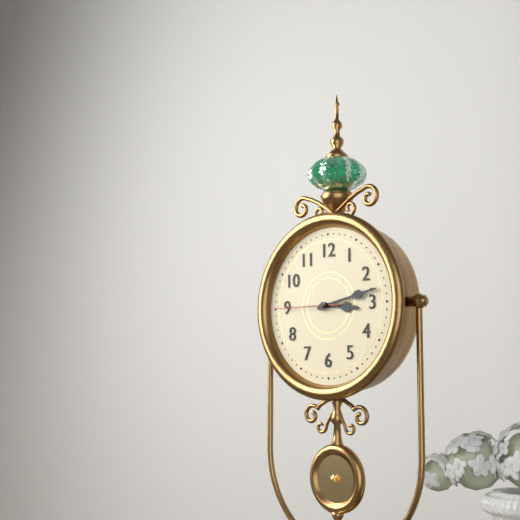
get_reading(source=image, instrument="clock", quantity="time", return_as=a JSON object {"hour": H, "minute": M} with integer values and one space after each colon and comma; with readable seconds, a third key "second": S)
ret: {"hour": 3, "minute": 13, "second": 45}
